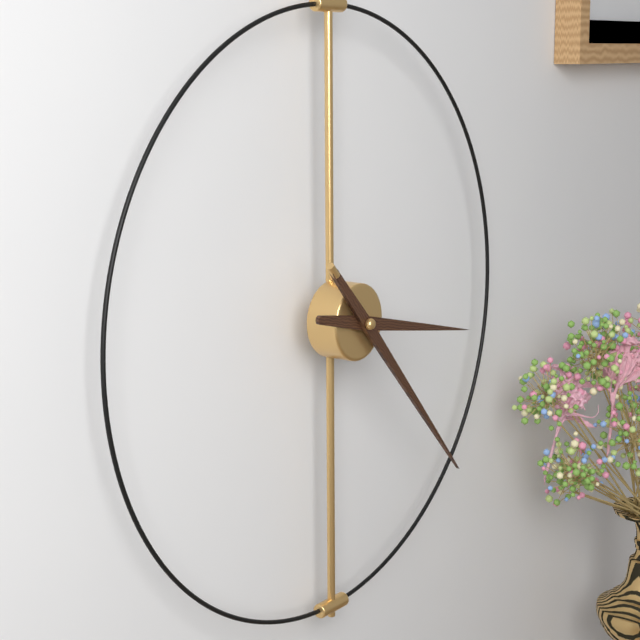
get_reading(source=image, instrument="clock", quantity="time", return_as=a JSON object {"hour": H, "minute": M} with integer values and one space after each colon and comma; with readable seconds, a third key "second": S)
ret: {"hour": 3, "minute": 23}
